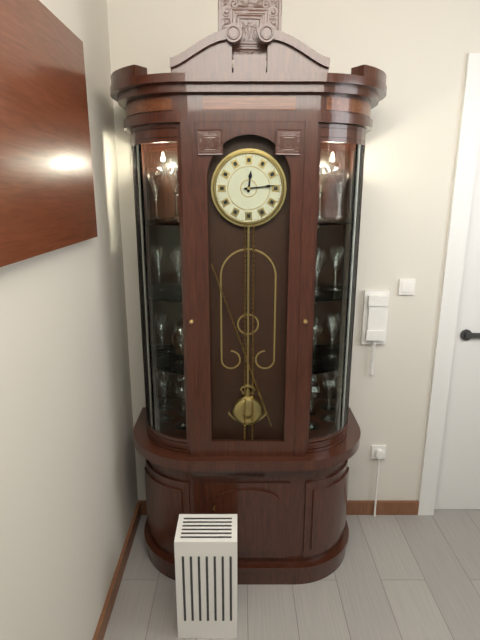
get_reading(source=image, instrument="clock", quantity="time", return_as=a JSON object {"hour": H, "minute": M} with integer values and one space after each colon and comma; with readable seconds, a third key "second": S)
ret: {"hour": 12, "minute": 14}
